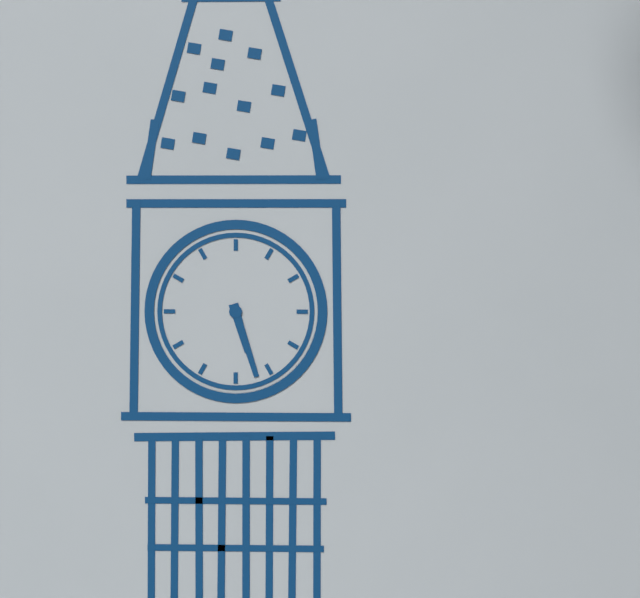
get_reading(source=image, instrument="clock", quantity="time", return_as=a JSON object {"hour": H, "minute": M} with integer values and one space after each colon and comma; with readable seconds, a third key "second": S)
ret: {"hour": 5, "minute": 27}
